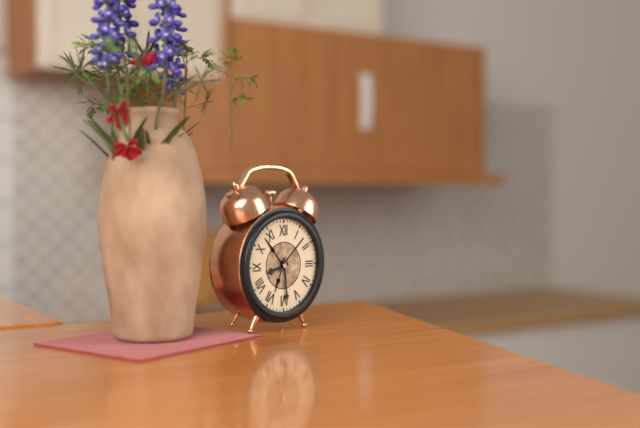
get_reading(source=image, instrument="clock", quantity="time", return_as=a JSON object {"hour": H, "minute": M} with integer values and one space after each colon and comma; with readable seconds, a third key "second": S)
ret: {"hour": 8, "minute": 29}
